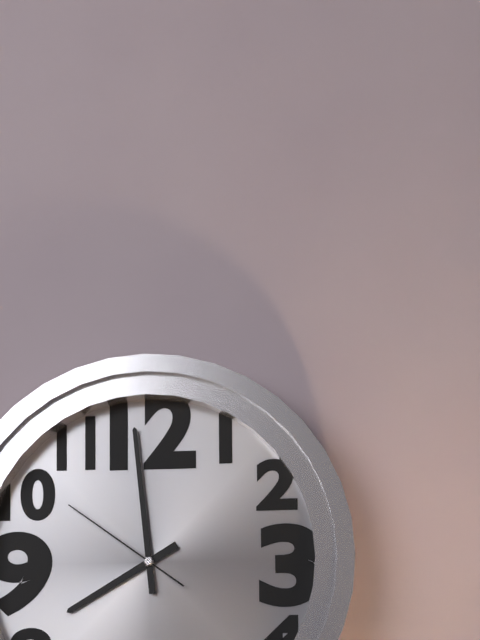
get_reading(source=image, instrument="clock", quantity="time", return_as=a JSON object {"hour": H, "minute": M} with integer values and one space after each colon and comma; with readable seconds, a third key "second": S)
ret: {"hour": 7, "minute": 59, "second": 51}
